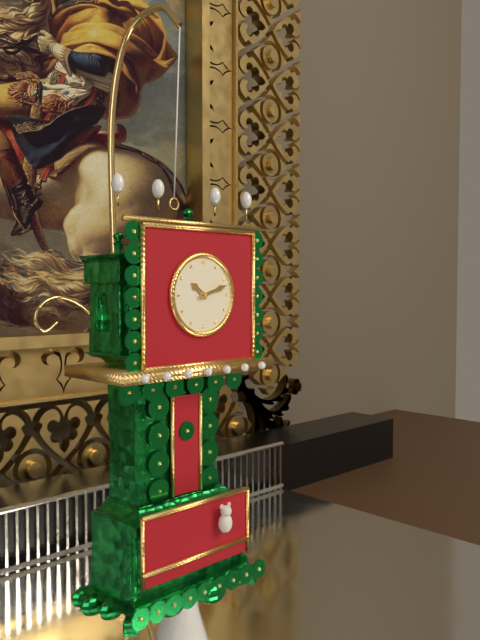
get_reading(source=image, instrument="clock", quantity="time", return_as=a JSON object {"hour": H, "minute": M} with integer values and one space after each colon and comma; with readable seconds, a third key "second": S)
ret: {"hour": 10, "minute": 12}
